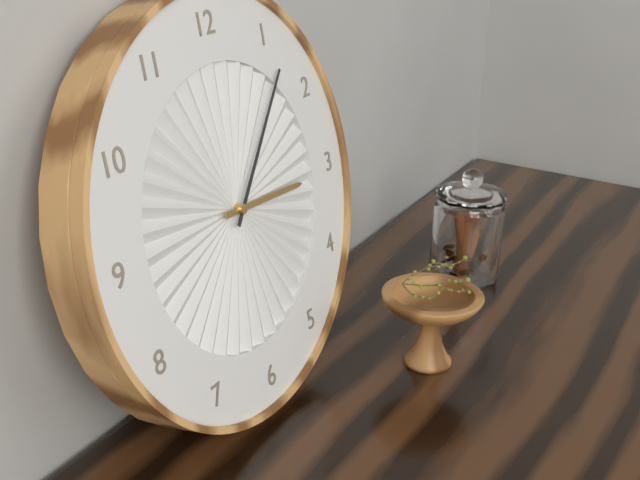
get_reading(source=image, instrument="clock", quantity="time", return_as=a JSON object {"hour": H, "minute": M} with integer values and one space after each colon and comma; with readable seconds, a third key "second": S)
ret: {"hour": 3, "minute": 7}
